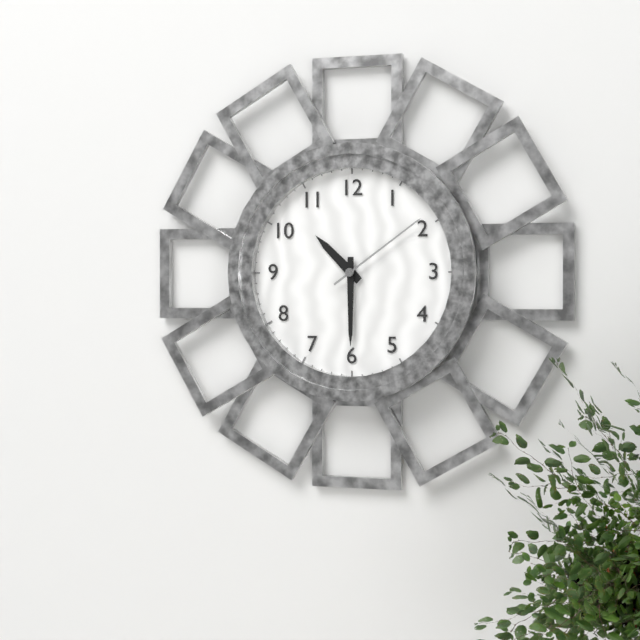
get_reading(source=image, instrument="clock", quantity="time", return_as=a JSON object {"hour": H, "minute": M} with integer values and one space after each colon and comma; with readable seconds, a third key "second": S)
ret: {"hour": 10, "minute": 30, "second": 9}
